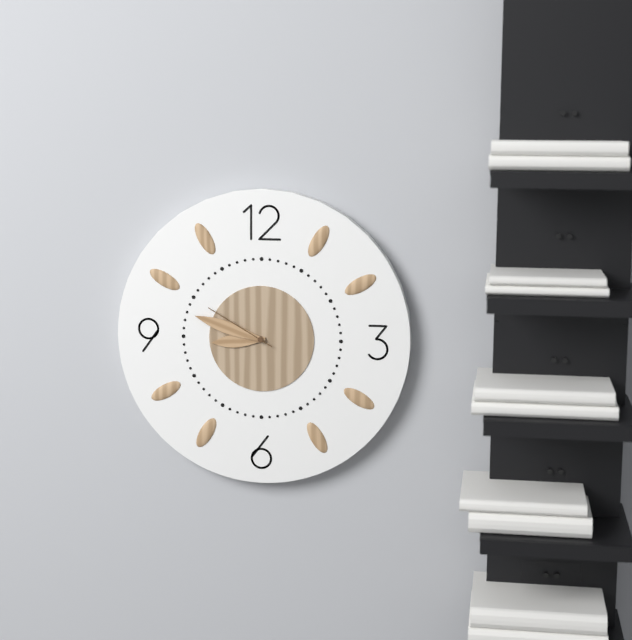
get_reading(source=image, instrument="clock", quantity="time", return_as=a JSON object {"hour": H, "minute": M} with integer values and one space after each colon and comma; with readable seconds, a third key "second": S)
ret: {"hour": 8, "minute": 48, "second": 50}
